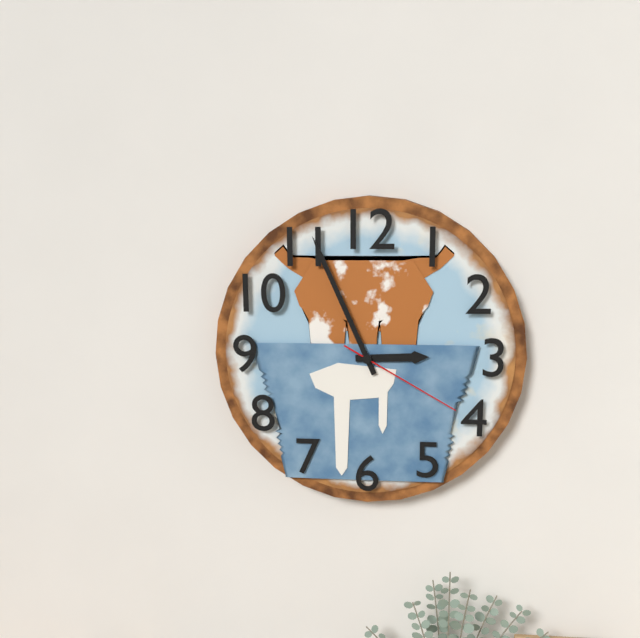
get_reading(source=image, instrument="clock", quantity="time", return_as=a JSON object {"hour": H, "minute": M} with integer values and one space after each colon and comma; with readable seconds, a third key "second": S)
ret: {"hour": 2, "minute": 56, "second": 20}
